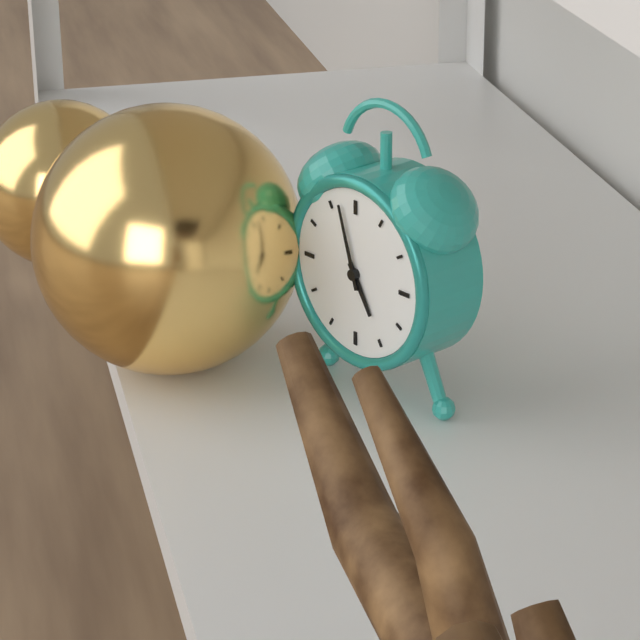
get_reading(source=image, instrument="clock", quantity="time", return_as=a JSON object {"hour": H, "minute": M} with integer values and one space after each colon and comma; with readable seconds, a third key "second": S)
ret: {"hour": 4, "minute": 57}
